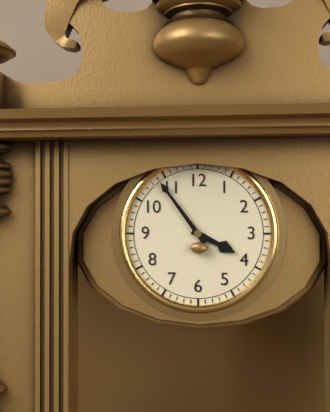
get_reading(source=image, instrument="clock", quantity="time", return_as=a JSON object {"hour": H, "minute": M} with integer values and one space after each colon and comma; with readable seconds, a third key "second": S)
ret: {"hour": 3, "minute": 54}
